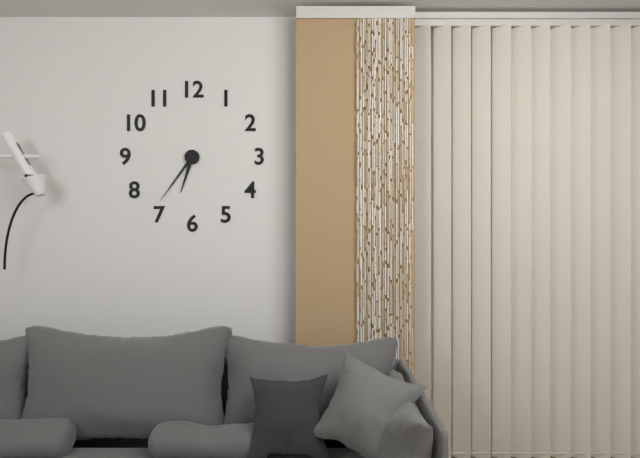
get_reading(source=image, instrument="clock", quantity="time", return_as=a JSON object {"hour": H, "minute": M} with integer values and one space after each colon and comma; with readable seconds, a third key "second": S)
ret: {"hour": 6, "minute": 36}
